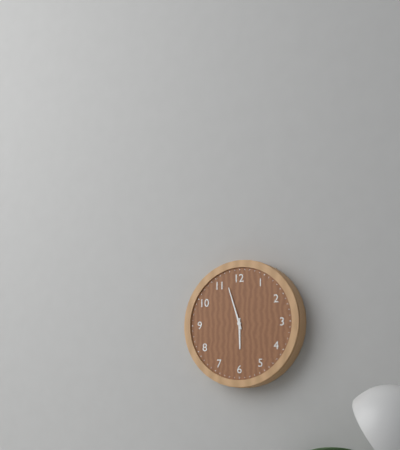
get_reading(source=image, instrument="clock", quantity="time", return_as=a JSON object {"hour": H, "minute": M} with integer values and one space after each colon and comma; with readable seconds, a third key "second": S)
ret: {"hour": 5, "minute": 57}
